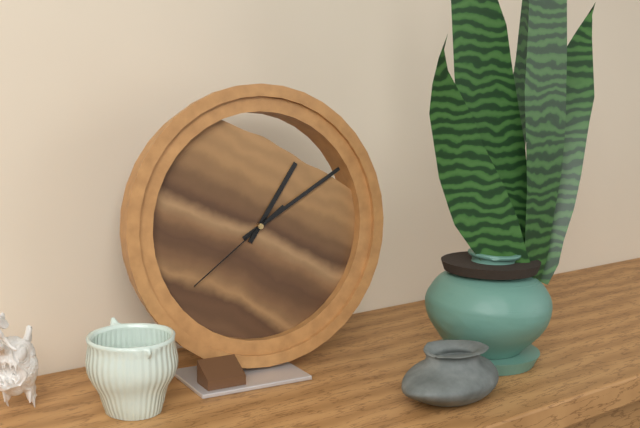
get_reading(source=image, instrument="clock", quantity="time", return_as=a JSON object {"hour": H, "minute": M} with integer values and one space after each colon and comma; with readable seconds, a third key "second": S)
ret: {"hour": 1, "minute": 10, "second": 39}
